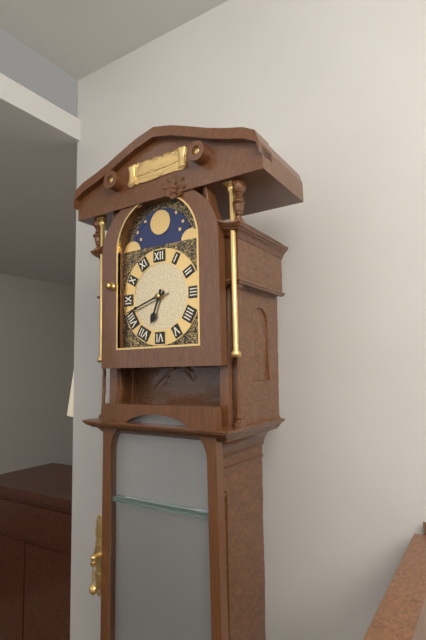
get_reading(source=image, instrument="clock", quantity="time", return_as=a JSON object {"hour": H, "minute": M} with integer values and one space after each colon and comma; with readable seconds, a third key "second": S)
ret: {"hour": 6, "minute": 42}
